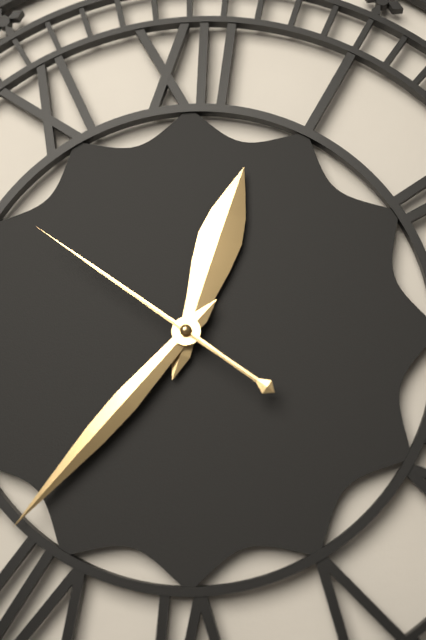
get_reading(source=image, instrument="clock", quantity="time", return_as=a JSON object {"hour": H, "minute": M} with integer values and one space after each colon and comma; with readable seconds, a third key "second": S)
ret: {"hour": 12, "minute": 37, "second": 51}
